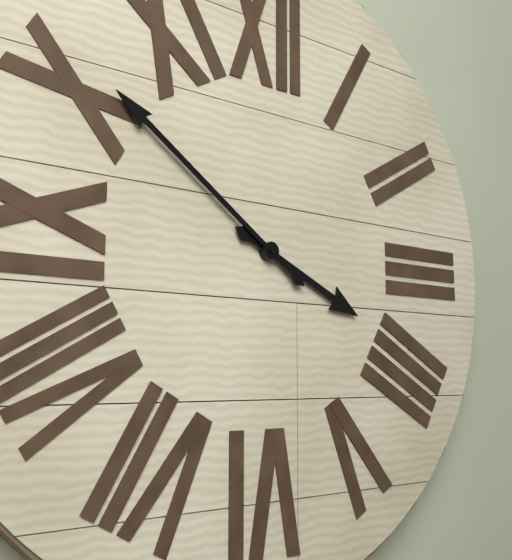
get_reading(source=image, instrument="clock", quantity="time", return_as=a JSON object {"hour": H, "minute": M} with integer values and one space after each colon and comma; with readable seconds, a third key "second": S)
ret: {"hour": 3, "minute": 51}
